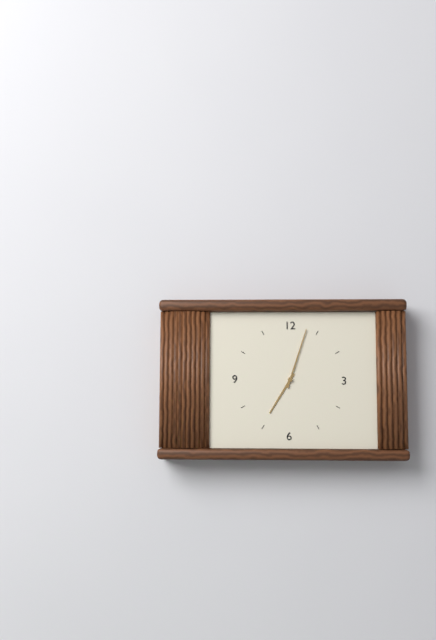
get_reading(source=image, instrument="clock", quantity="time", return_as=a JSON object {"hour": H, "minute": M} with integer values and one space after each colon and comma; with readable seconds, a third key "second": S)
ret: {"hour": 7, "minute": 3}
